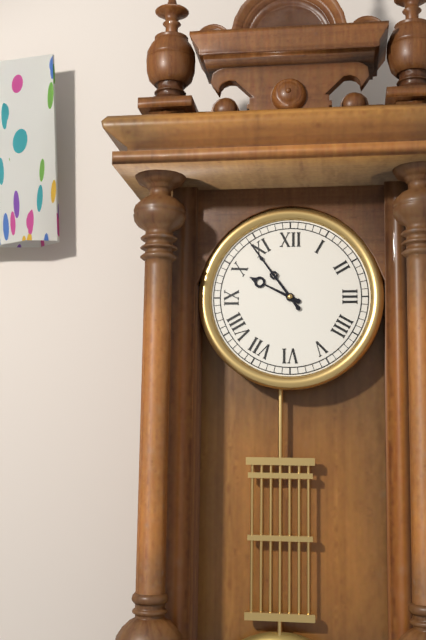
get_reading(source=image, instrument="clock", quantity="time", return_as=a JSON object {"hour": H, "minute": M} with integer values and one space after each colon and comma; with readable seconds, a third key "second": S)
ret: {"hour": 9, "minute": 54}
